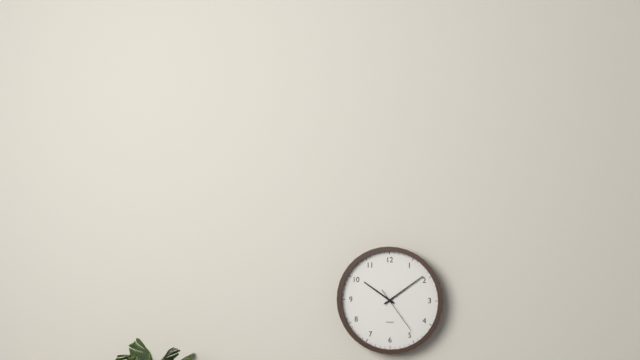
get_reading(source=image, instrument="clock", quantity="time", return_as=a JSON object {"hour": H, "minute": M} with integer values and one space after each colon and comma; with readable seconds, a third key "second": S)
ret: {"hour": 10, "minute": 9}
